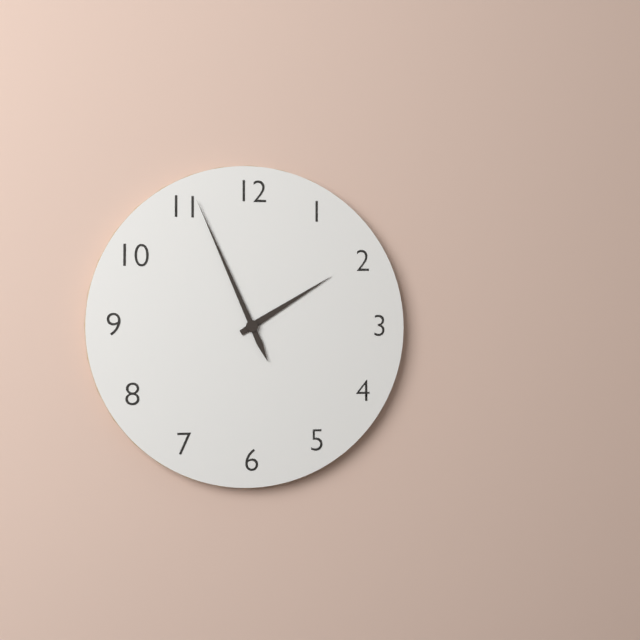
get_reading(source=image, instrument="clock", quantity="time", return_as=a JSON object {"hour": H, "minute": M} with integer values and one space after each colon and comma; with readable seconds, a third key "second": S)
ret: {"hour": 1, "minute": 56}
